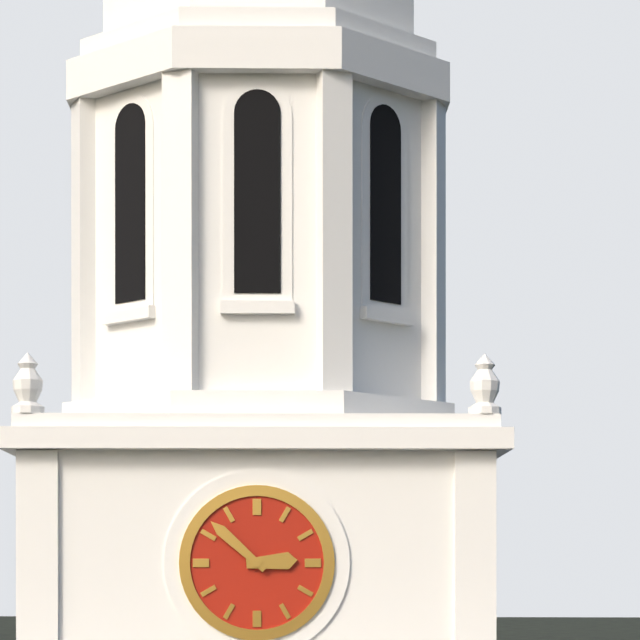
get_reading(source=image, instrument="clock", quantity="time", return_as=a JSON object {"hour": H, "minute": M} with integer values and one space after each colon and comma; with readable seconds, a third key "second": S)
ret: {"hour": 2, "minute": 52}
